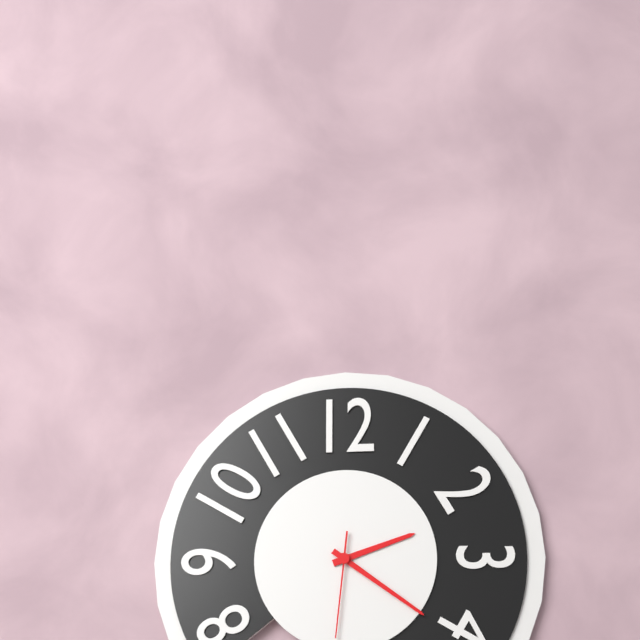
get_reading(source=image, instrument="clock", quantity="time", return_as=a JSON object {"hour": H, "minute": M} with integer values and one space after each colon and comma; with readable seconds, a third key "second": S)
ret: {"hour": 2, "minute": 21, "second": 31}
